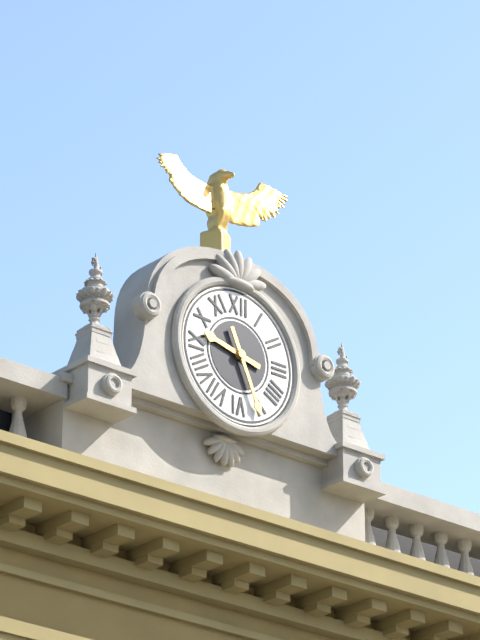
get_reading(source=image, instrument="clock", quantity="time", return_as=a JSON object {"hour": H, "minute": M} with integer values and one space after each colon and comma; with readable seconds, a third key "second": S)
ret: {"hour": 9, "minute": 26}
